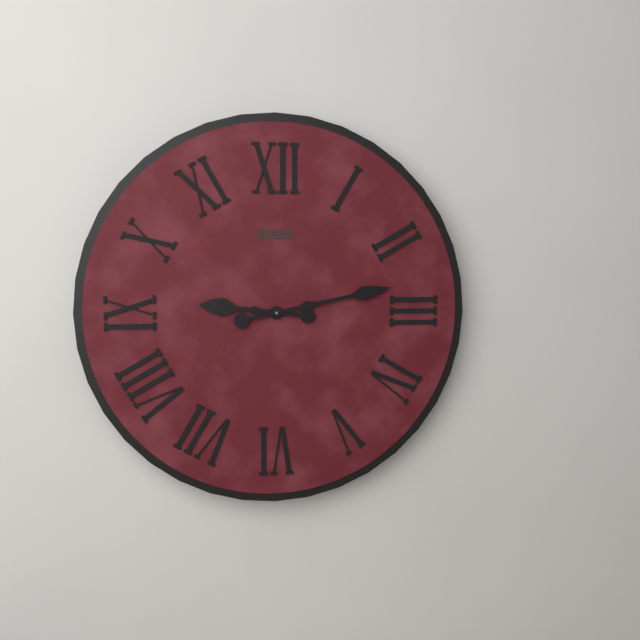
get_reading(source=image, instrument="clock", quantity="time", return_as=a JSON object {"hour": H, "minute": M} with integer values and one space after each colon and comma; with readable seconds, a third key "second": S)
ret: {"hour": 9, "minute": 13}
